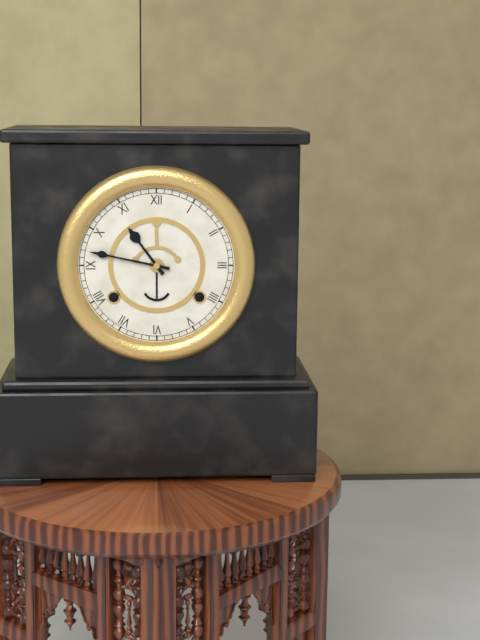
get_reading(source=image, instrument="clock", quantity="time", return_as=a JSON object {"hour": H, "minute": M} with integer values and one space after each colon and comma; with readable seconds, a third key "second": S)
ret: {"hour": 10, "minute": 47}
